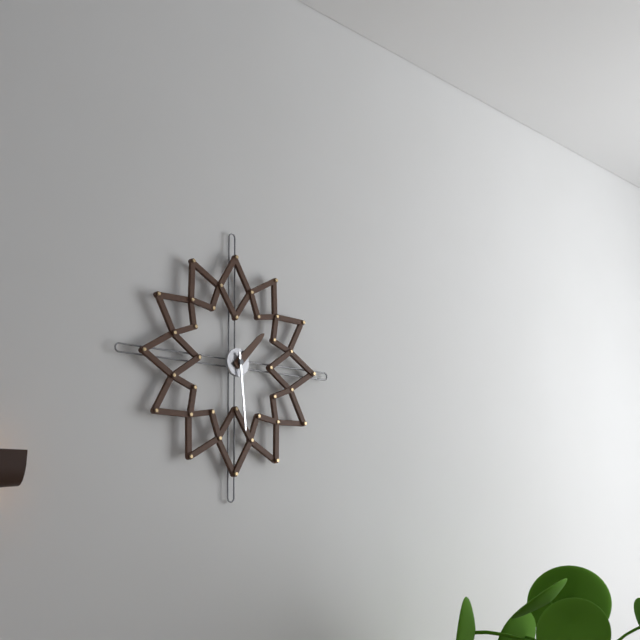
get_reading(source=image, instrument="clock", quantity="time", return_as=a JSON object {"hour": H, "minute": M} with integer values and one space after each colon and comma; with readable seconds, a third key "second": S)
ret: {"hour": 1, "minute": 29}
